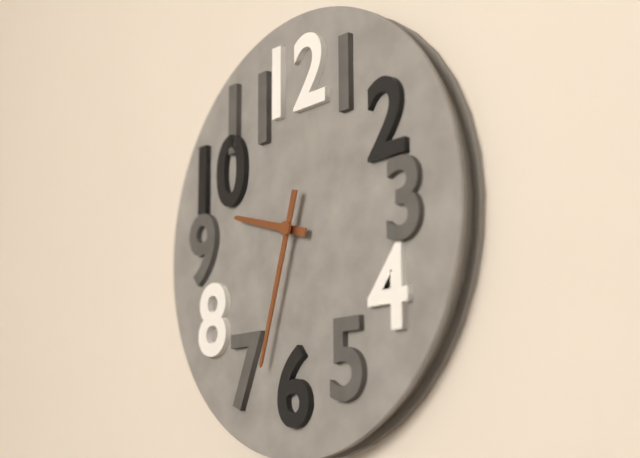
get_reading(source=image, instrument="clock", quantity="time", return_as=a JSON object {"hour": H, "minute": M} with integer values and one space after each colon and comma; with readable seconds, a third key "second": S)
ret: {"hour": 9, "minute": 33}
